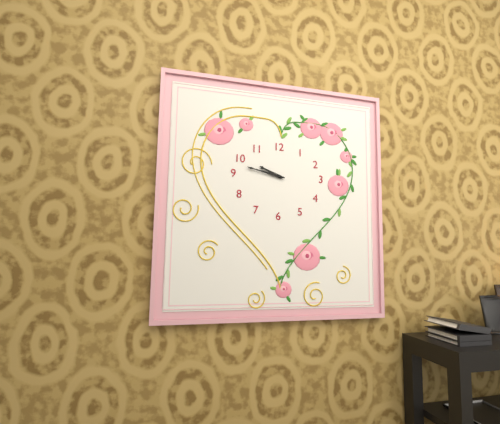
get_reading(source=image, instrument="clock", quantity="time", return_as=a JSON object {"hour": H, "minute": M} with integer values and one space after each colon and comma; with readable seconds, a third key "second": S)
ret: {"hour": 9, "minute": 47}
